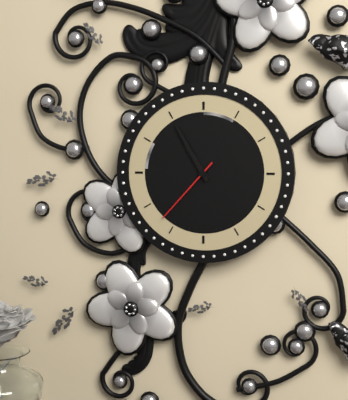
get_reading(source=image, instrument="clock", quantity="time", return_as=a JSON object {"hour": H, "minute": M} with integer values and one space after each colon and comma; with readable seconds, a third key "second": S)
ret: {"hour": 10, "minute": 55, "second": 37}
